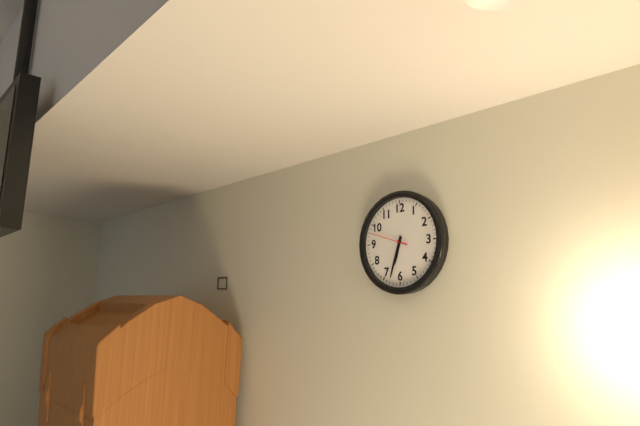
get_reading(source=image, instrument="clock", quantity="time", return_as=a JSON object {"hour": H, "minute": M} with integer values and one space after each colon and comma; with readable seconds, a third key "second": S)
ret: {"hour": 6, "minute": 33}
